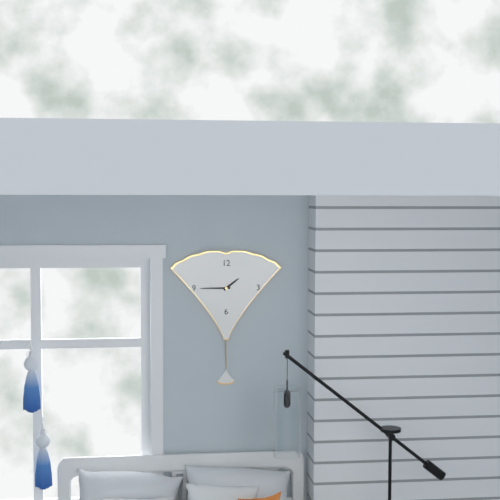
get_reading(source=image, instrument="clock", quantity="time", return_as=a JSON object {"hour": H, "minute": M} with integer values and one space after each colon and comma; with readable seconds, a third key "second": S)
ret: {"hour": 1, "minute": 45}
